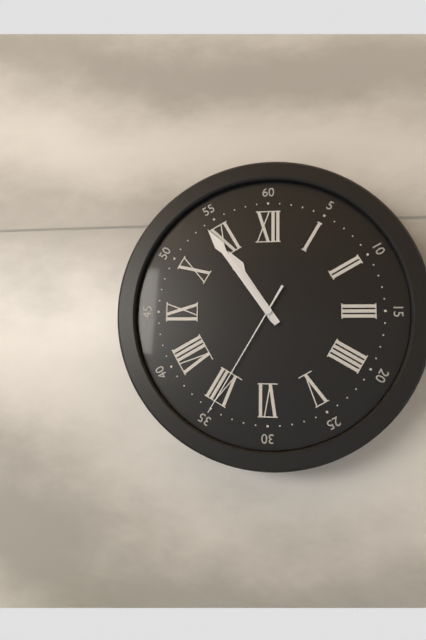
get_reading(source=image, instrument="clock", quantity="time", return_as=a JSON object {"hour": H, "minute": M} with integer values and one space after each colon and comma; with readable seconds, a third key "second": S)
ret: {"hour": 10, "minute": 54, "second": 35}
